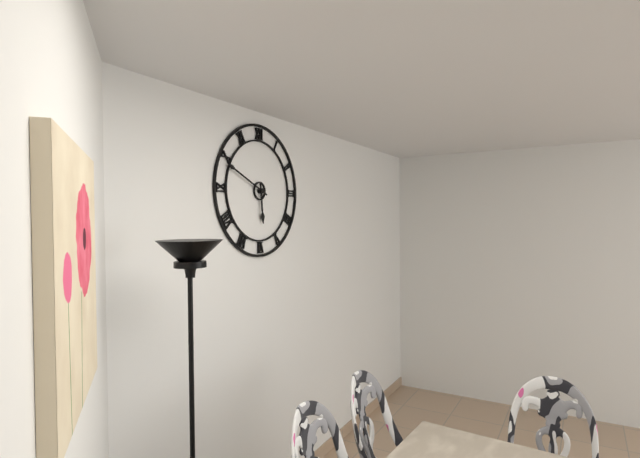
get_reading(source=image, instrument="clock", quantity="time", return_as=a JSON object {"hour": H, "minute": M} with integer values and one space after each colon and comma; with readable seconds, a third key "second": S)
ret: {"hour": 5, "minute": 49}
